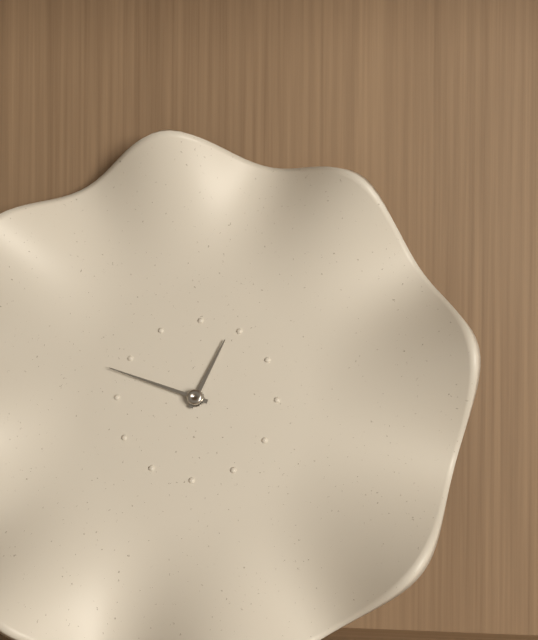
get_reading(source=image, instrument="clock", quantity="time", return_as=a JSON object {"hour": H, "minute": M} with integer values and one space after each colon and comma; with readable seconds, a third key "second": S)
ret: {"hour": 12, "minute": 48}
